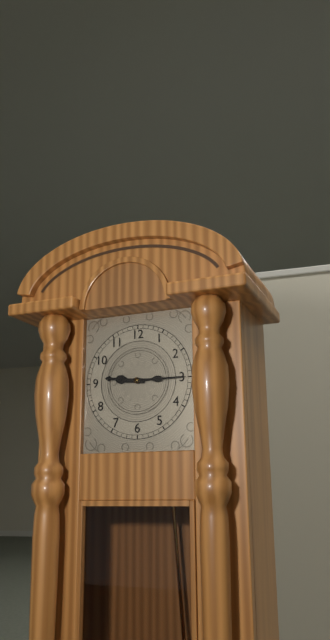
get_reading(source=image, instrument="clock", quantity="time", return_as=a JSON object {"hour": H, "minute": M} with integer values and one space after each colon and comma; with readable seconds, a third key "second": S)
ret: {"hour": 9, "minute": 15}
